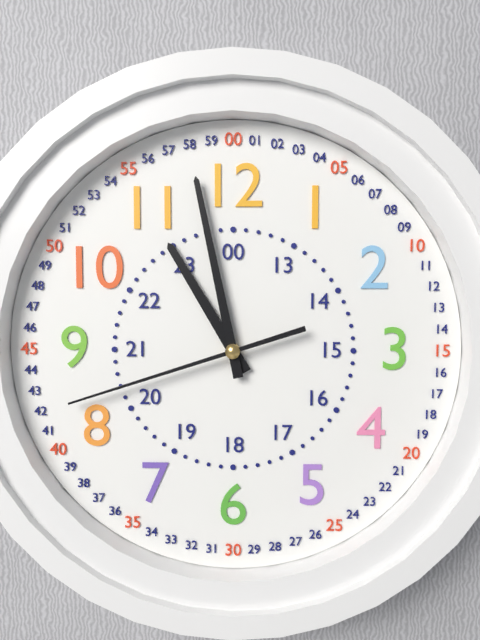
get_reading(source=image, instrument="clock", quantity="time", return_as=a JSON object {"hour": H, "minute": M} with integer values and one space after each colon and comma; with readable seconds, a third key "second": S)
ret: {"hour": 10, "minute": 58, "second": 42}
